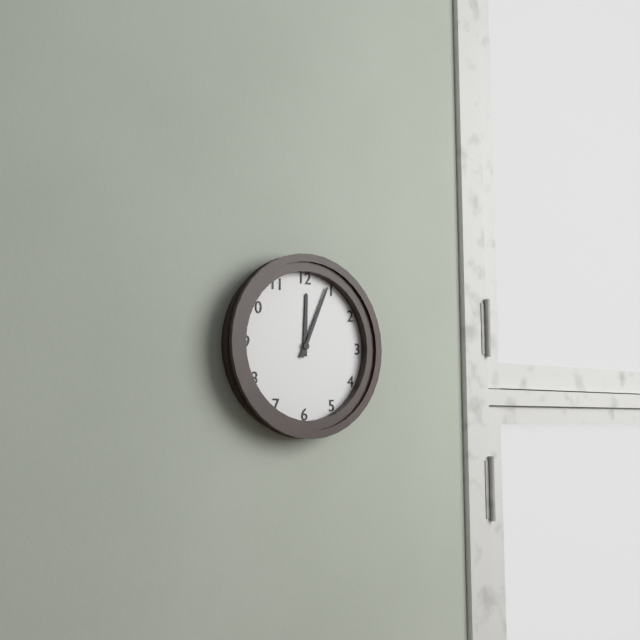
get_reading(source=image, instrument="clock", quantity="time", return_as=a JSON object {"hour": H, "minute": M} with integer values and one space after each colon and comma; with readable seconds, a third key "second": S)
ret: {"hour": 12, "minute": 4}
